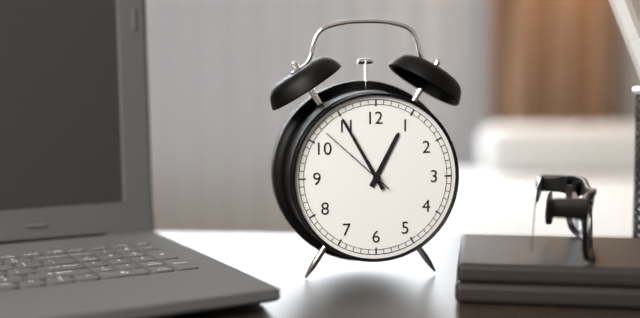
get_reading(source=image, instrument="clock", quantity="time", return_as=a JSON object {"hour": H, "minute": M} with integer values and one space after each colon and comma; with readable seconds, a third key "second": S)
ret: {"hour": 12, "minute": 55, "second": 52}
